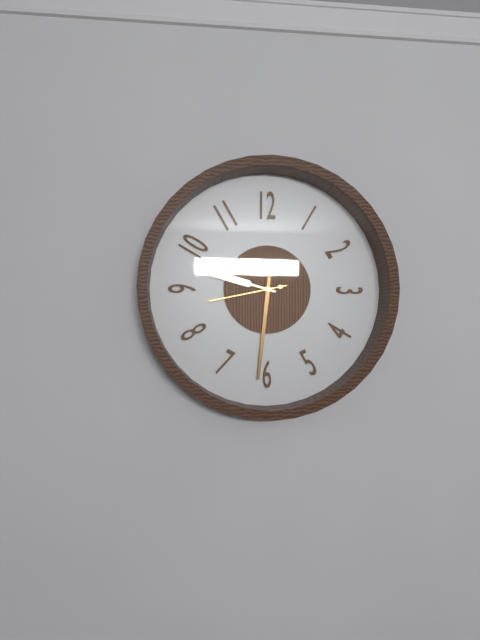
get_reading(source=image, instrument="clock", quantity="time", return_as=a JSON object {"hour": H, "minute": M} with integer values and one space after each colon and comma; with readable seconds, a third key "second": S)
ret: {"hour": 9, "minute": 31, "second": 43}
